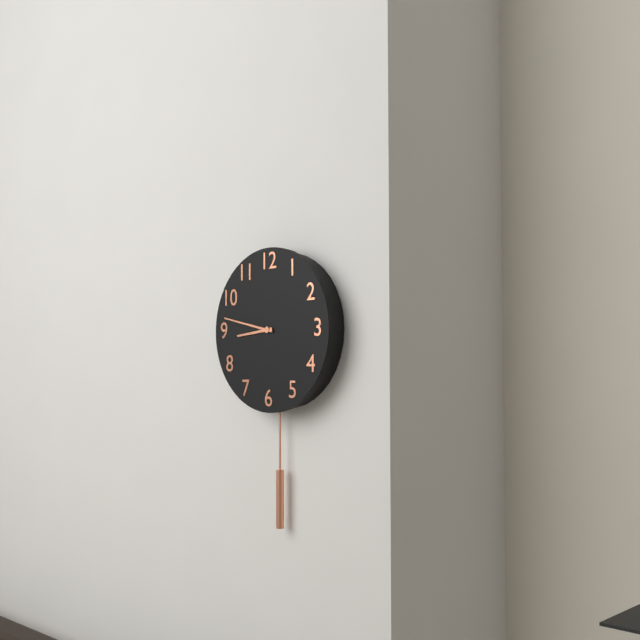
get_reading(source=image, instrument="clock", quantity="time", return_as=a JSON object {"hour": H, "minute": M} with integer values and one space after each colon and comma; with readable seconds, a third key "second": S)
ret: {"hour": 8, "minute": 47}
